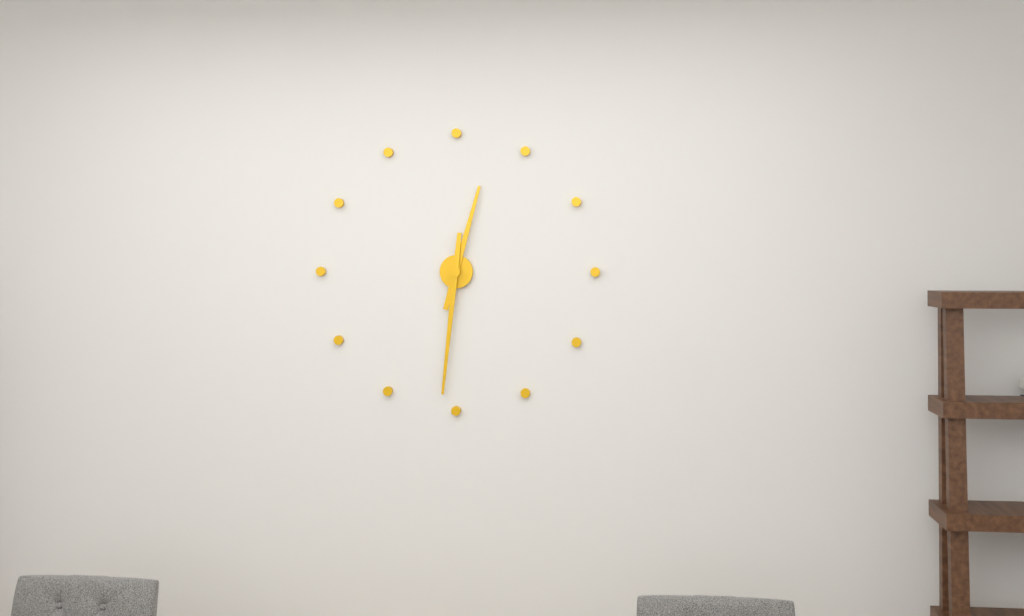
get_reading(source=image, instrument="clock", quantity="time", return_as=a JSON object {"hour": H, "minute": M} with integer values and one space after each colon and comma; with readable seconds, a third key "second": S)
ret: {"hour": 12, "minute": 31}
